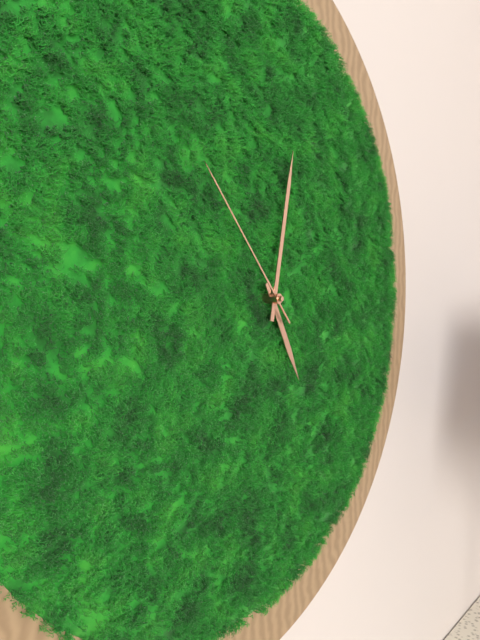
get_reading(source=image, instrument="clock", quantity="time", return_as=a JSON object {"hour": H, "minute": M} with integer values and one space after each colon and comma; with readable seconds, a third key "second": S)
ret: {"hour": 5, "minute": 2, "second": 53}
